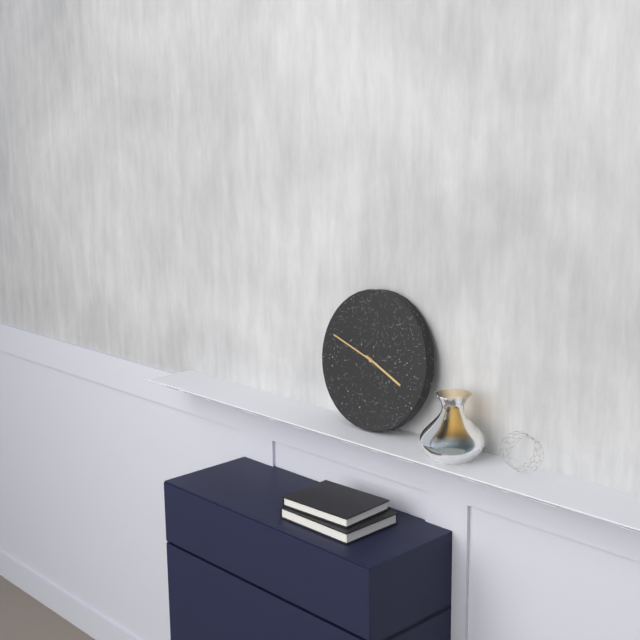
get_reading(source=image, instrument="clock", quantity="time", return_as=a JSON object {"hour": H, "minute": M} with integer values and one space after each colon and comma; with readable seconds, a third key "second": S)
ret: {"hour": 3, "minute": 48}
